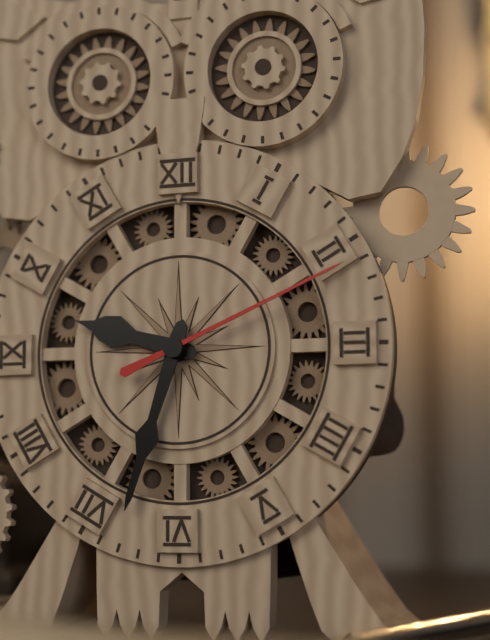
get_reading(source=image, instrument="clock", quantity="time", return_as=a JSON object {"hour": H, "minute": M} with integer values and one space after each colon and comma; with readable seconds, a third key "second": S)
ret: {"hour": 9, "minute": 33, "second": 11}
